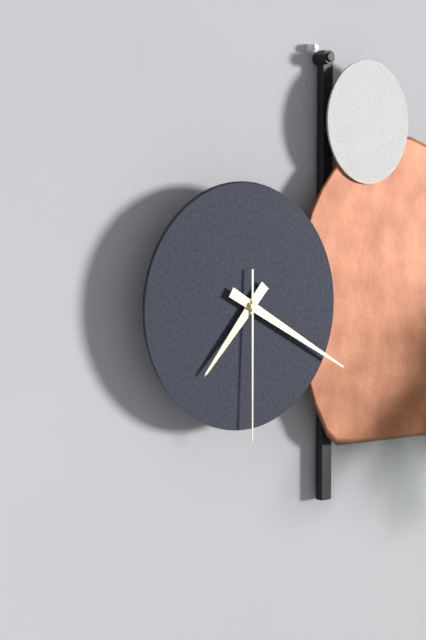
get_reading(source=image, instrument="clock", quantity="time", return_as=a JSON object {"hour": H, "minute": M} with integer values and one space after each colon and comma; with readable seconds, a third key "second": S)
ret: {"hour": 7, "minute": 20, "second": 30}
